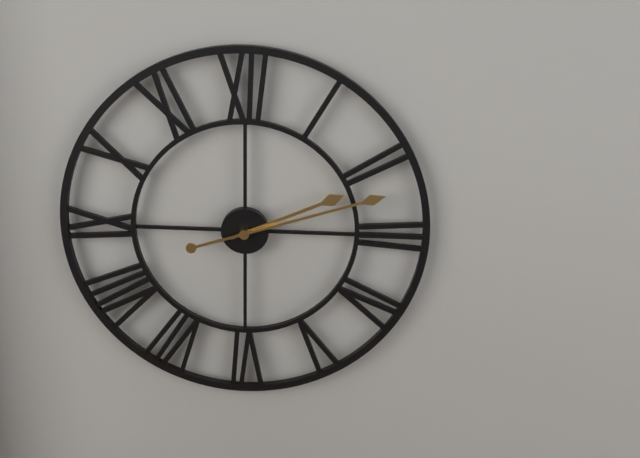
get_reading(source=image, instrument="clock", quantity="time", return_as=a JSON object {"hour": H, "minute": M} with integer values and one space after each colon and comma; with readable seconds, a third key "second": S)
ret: {"hour": 2, "minute": 12}
